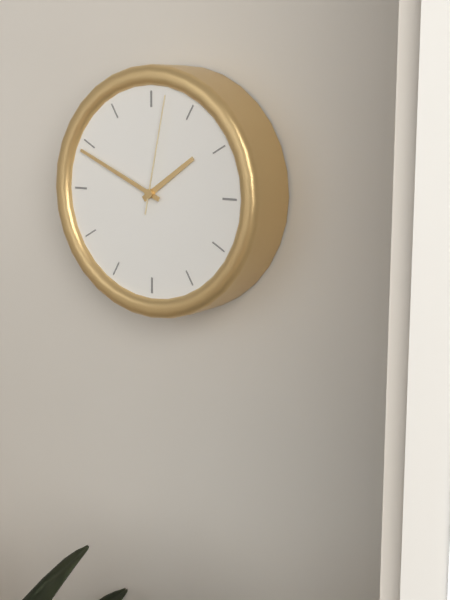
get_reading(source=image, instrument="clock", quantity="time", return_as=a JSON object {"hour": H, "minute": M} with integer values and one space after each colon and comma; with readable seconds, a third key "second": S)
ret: {"hour": 1, "minute": 49, "second": 2}
